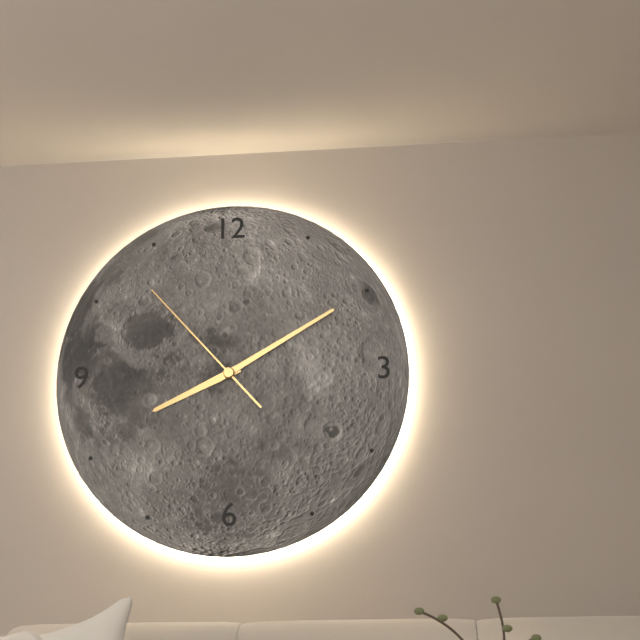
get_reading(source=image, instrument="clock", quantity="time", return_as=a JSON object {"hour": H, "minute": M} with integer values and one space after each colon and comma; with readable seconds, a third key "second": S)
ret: {"hour": 8, "minute": 10, "second": 53}
